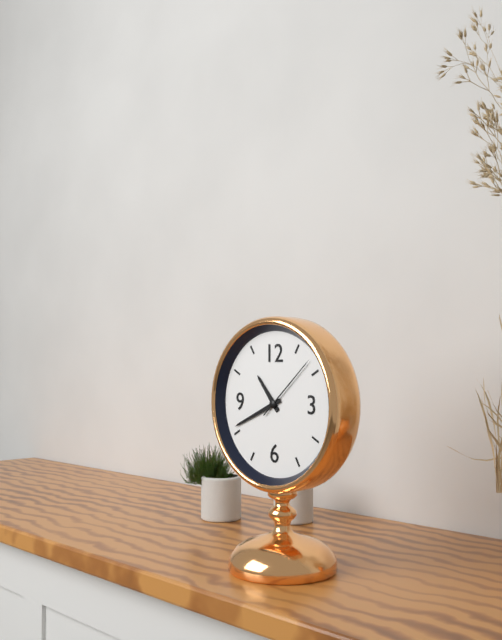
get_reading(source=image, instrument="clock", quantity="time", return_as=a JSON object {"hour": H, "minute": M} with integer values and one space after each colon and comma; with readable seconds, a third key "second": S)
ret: {"hour": 10, "minute": 41, "second": 8}
